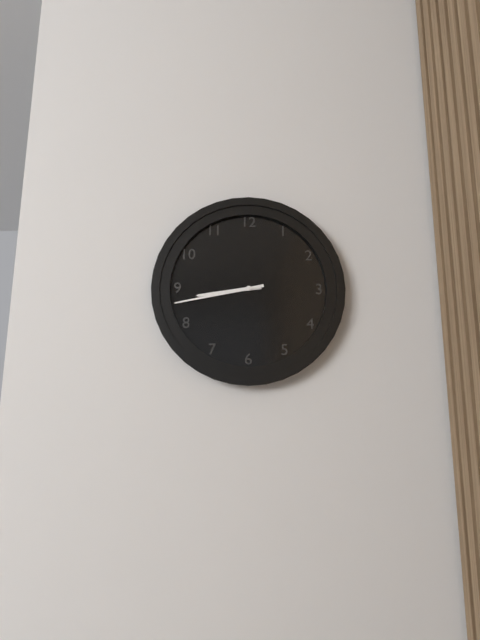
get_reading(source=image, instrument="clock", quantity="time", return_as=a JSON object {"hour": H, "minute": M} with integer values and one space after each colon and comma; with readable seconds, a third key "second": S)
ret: {"hour": 8, "minute": 43}
